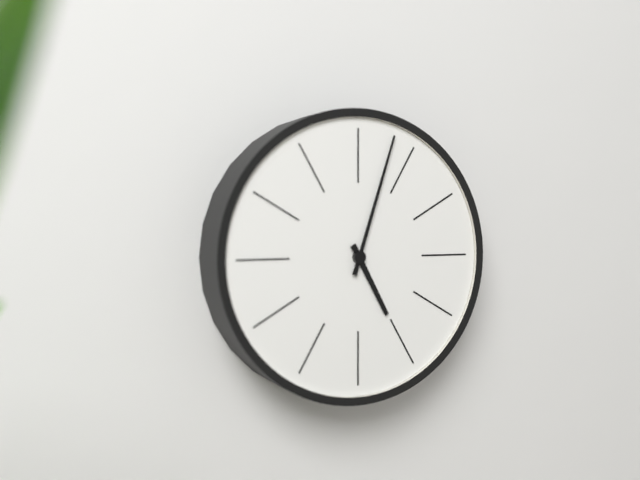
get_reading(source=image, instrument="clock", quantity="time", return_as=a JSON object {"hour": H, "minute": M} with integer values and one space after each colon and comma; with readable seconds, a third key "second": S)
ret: {"hour": 5, "minute": 3}
